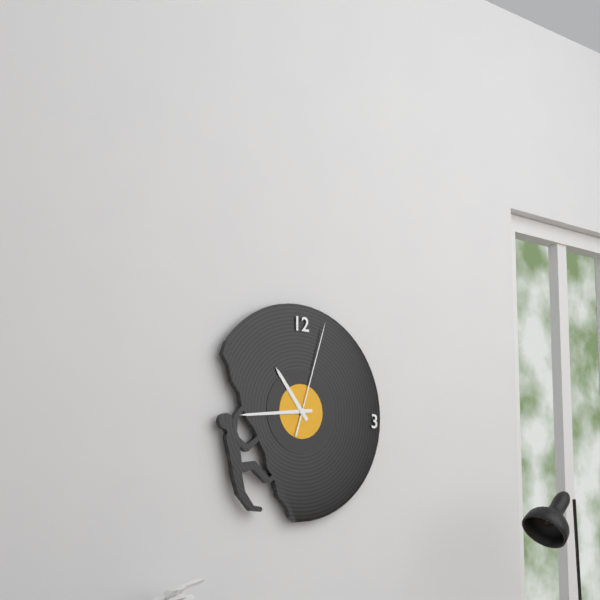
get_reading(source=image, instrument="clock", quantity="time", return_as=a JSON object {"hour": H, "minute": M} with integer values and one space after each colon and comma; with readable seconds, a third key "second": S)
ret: {"hour": 10, "minute": 44, "second": 3}
